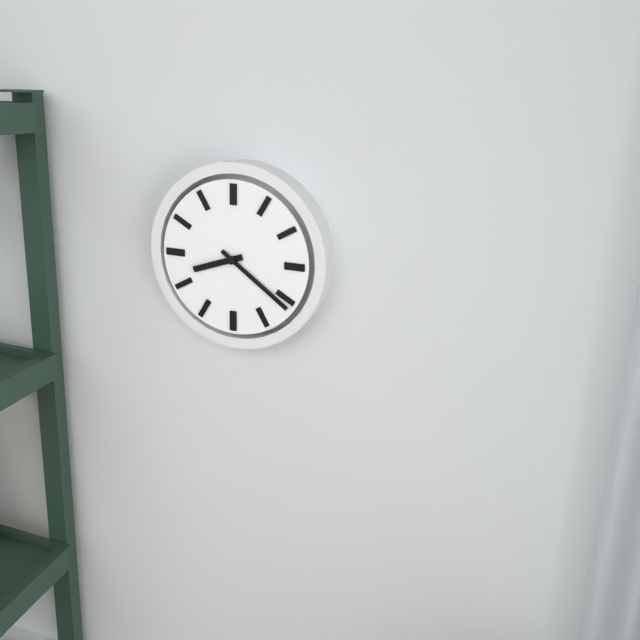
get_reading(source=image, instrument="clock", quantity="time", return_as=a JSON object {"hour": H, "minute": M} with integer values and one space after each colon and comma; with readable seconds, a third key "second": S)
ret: {"hour": 8, "minute": 21}
